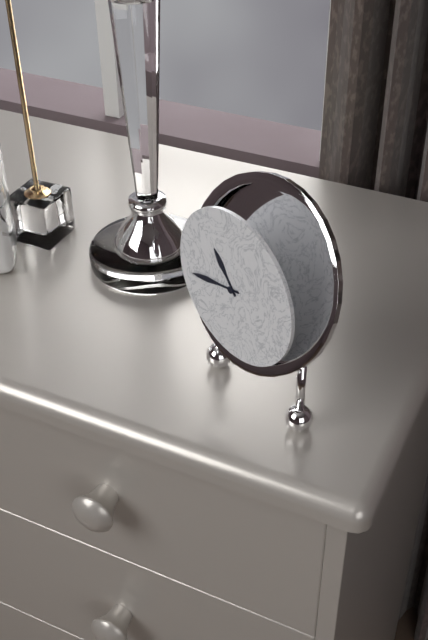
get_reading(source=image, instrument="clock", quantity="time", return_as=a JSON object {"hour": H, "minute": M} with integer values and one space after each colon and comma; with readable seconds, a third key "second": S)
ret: {"hour": 10, "minute": 43}
